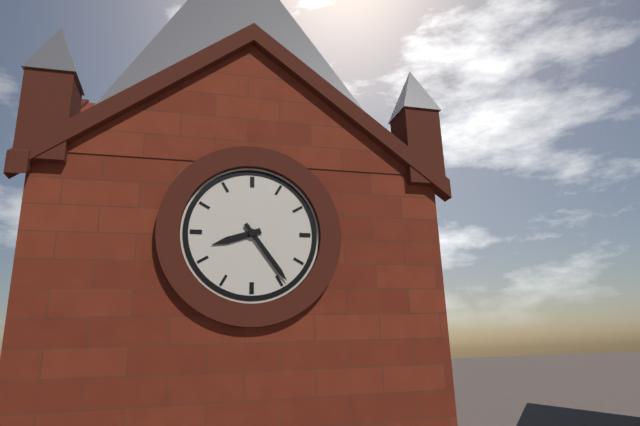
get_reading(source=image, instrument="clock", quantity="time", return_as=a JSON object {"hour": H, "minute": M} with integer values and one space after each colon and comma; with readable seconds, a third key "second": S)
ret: {"hour": 8, "minute": 24}
